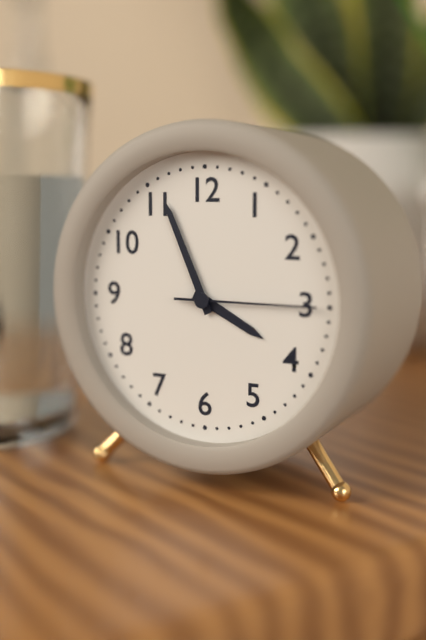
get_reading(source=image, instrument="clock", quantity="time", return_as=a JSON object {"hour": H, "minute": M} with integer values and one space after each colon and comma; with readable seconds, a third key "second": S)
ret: {"hour": 3, "minute": 56, "second": 15}
